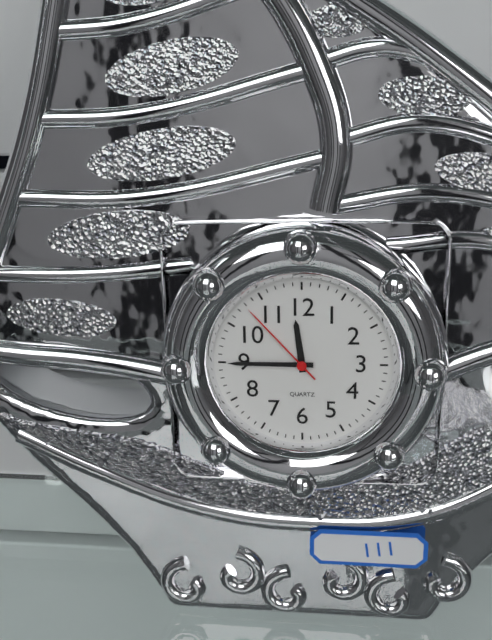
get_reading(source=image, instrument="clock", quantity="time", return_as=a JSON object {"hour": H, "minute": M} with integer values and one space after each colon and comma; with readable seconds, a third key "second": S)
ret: {"hour": 11, "minute": 45, "second": 53}
